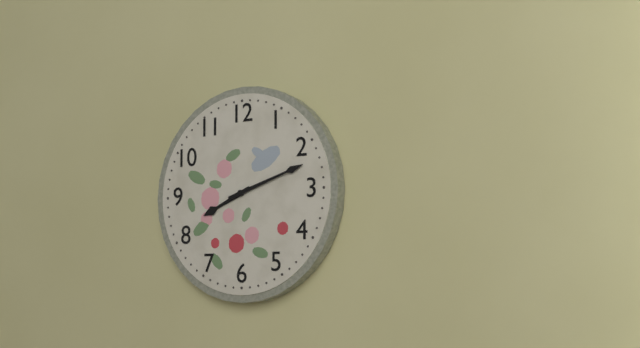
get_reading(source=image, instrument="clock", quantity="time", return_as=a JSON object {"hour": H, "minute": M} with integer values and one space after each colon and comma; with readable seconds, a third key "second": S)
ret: {"hour": 8, "minute": 12}
